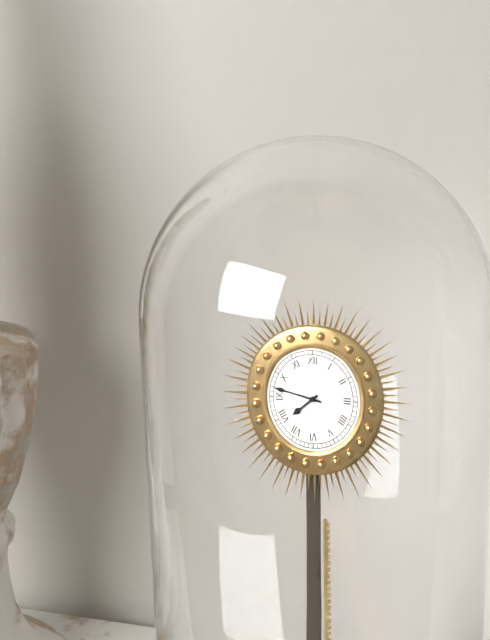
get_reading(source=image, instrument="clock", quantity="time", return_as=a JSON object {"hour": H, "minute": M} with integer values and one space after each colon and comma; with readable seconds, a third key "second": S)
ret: {"hour": 7, "minute": 47}
